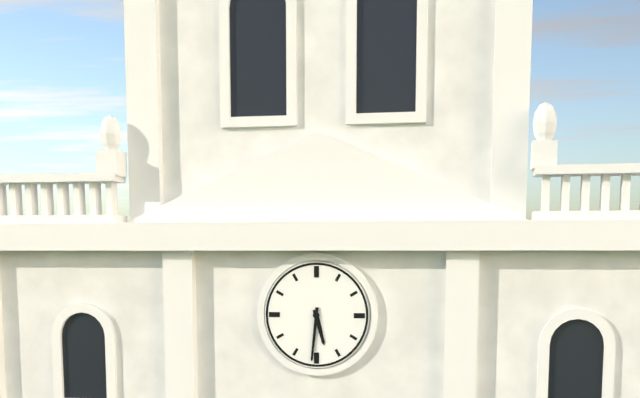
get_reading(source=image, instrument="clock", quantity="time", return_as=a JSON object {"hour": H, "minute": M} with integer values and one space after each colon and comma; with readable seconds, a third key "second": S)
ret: {"hour": 5, "minute": 31}
